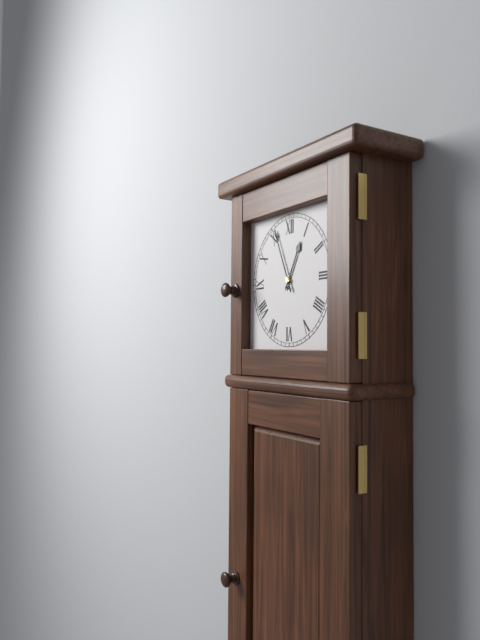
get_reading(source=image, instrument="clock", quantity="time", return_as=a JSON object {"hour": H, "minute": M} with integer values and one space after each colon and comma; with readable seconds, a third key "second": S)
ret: {"hour": 12, "minute": 56}
